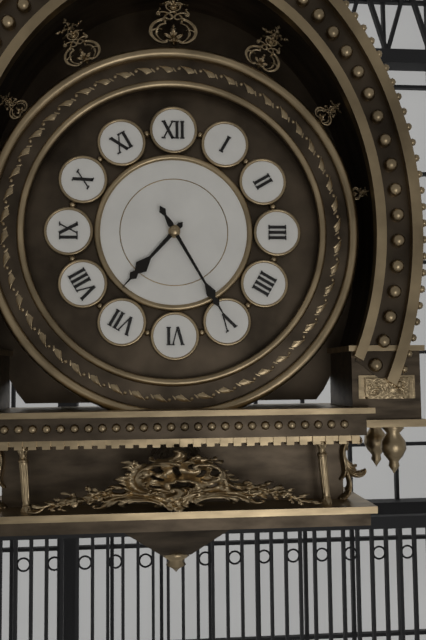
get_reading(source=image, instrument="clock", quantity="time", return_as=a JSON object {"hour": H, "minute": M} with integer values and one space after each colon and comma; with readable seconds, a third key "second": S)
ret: {"hour": 7, "minute": 25}
